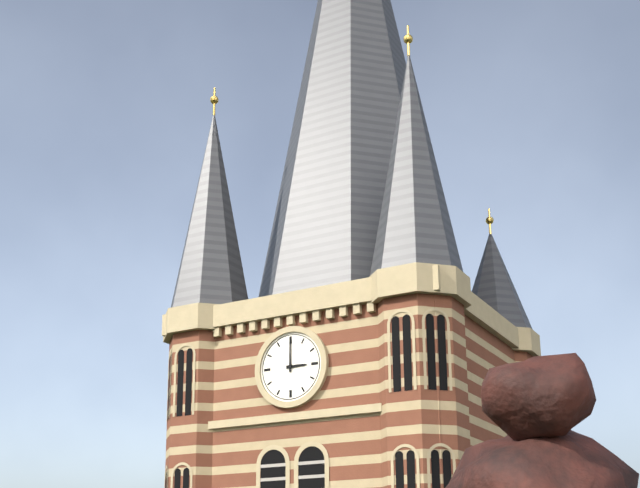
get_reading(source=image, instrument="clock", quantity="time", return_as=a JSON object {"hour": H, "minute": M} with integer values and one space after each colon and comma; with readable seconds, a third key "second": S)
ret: {"hour": 3, "minute": 0}
